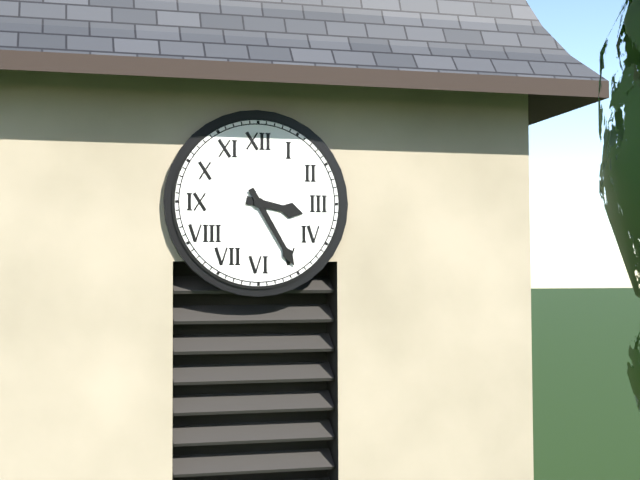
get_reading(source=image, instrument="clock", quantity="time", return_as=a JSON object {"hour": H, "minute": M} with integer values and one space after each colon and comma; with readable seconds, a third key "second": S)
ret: {"hour": 3, "minute": 25}
